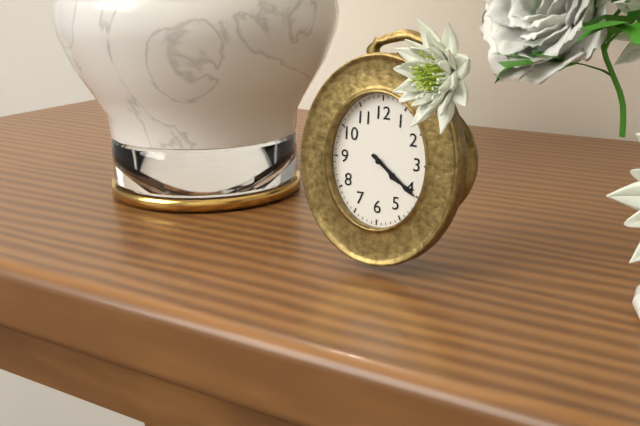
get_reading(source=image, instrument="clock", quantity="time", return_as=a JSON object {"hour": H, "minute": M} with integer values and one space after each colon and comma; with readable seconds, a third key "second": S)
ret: {"hour": 4, "minute": 21}
